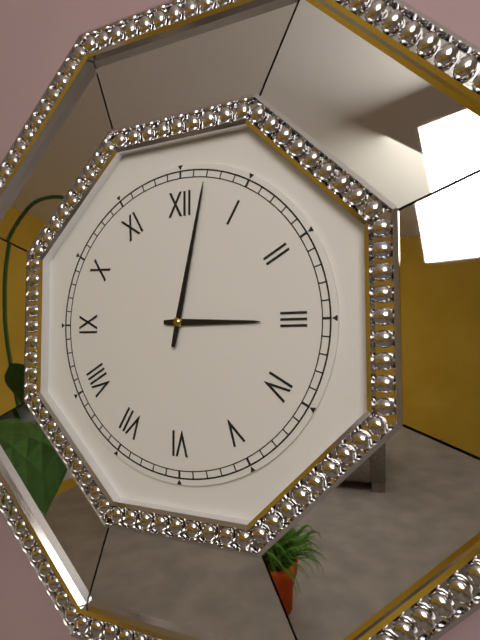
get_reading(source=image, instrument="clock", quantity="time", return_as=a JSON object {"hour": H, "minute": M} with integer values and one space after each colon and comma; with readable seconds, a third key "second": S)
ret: {"hour": 3, "minute": 2}
